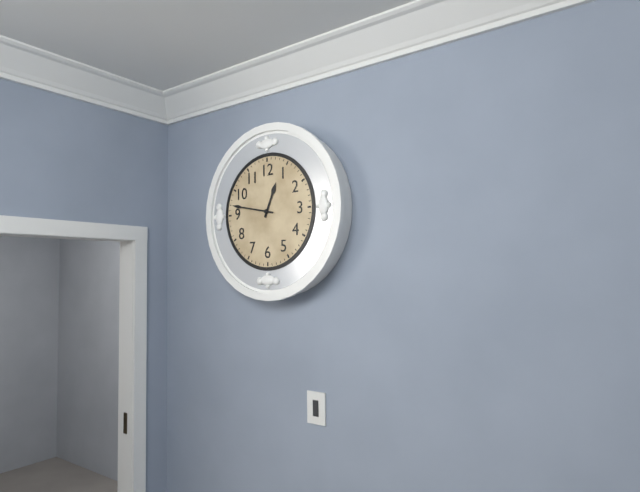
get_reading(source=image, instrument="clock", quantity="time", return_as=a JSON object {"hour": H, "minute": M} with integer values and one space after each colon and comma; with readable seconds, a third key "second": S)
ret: {"hour": 12, "minute": 47}
